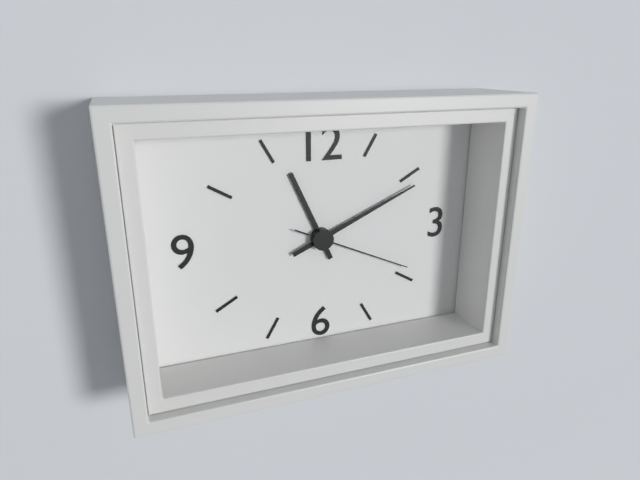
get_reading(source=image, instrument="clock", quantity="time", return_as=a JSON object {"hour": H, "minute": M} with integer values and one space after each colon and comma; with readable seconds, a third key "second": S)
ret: {"hour": 11, "minute": 11, "second": 19}
